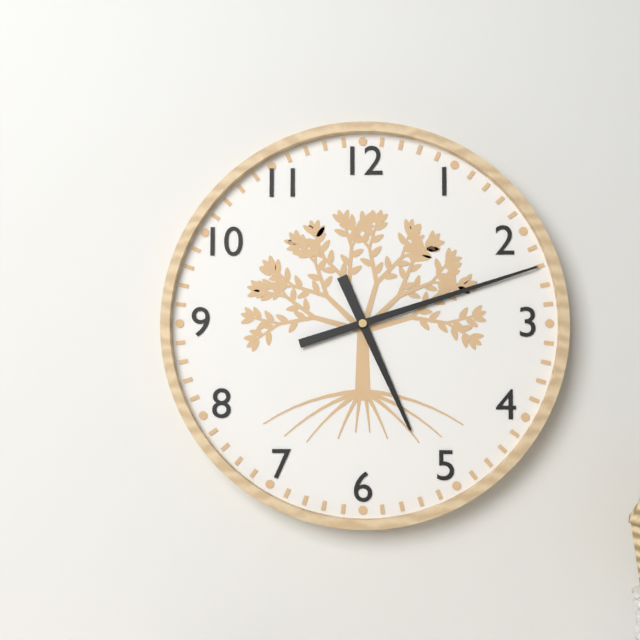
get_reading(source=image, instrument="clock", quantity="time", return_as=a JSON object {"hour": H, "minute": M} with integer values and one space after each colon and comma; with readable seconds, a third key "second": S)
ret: {"hour": 5, "minute": 12}
